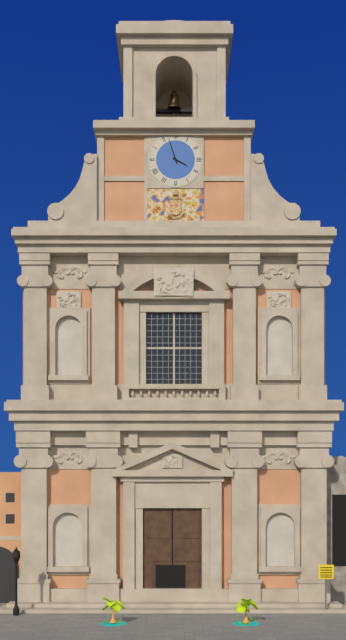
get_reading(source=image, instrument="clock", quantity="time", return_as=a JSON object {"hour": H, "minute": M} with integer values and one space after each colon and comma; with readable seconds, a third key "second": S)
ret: {"hour": 3, "minute": 57}
